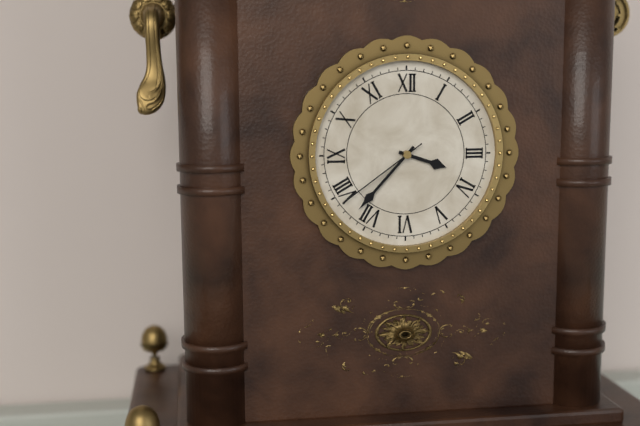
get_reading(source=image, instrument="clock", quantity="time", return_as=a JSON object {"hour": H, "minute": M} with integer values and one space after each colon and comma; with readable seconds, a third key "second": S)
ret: {"hour": 3, "minute": 37, "second": 39}
